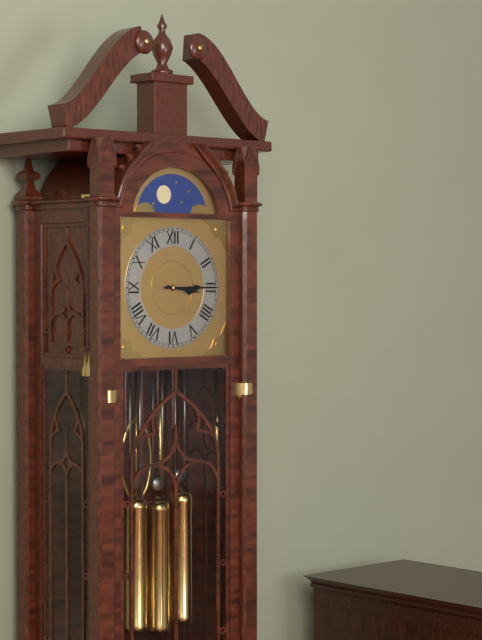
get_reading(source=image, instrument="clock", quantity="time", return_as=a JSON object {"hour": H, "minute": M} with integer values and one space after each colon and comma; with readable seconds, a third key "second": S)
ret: {"hour": 3, "minute": 15}
